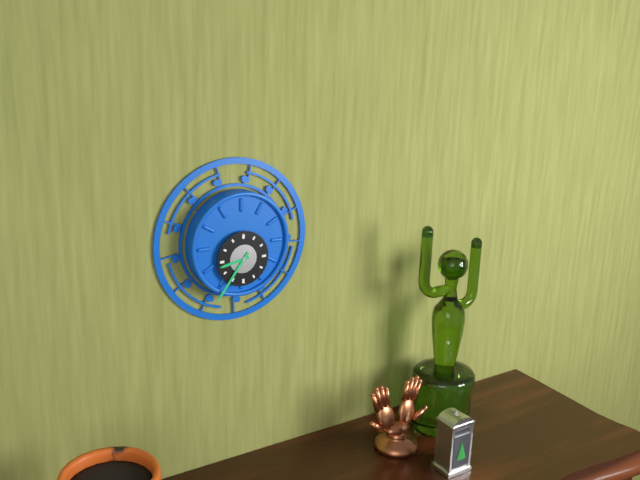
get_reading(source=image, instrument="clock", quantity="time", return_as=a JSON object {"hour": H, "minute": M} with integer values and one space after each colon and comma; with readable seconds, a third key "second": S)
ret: {"hour": 8, "minute": 36}
